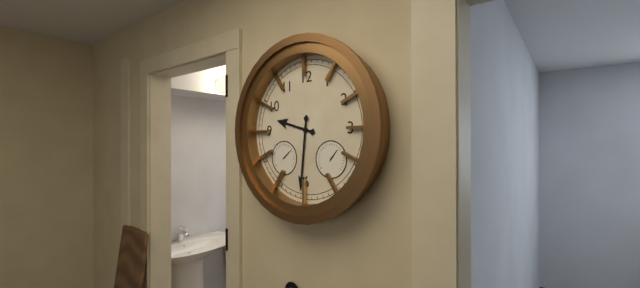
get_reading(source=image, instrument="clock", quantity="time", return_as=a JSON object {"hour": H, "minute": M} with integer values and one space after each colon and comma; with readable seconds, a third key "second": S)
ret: {"hour": 9, "minute": 31}
